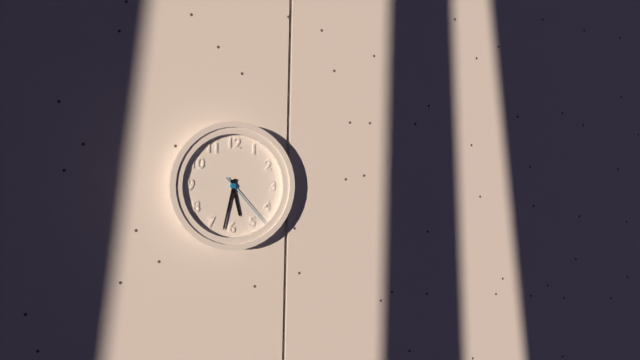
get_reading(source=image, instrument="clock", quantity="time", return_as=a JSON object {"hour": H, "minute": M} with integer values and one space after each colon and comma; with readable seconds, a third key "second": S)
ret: {"hour": 5, "minute": 32, "second": 23}
